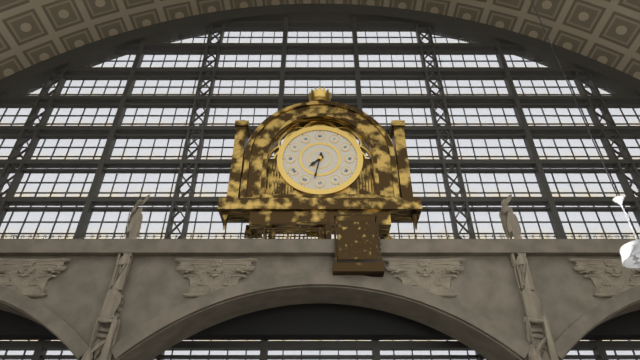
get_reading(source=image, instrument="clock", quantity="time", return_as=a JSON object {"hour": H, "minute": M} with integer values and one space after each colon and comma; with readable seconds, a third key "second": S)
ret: {"hour": 7, "minute": 32}
